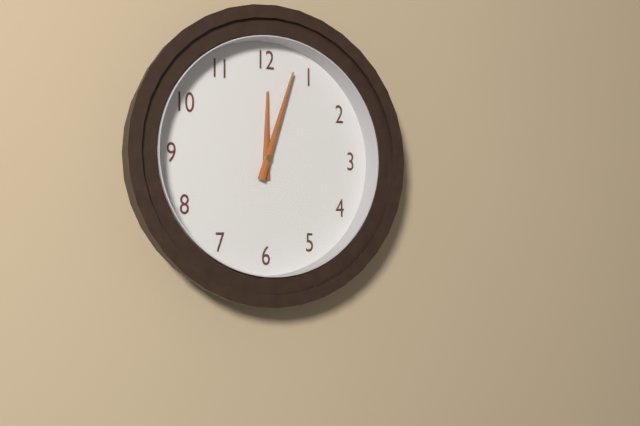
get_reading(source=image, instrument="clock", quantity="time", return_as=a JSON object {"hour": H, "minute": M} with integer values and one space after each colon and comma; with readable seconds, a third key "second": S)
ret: {"hour": 12, "minute": 3}
